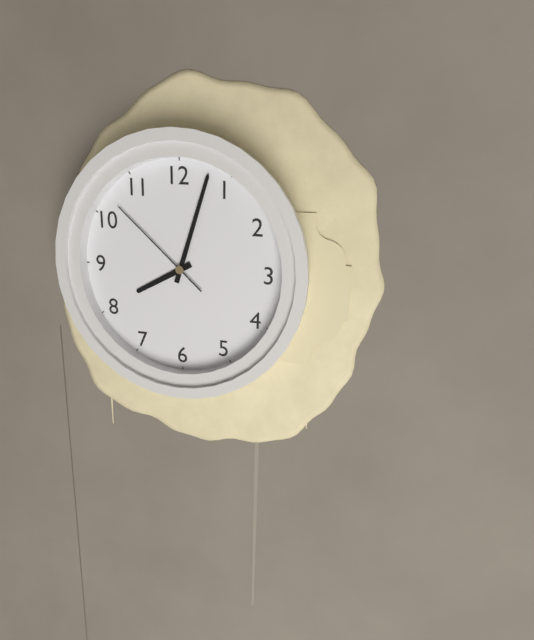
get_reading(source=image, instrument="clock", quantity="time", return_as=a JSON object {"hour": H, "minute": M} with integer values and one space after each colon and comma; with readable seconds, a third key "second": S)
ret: {"hour": 8, "minute": 3, "second": 52}
